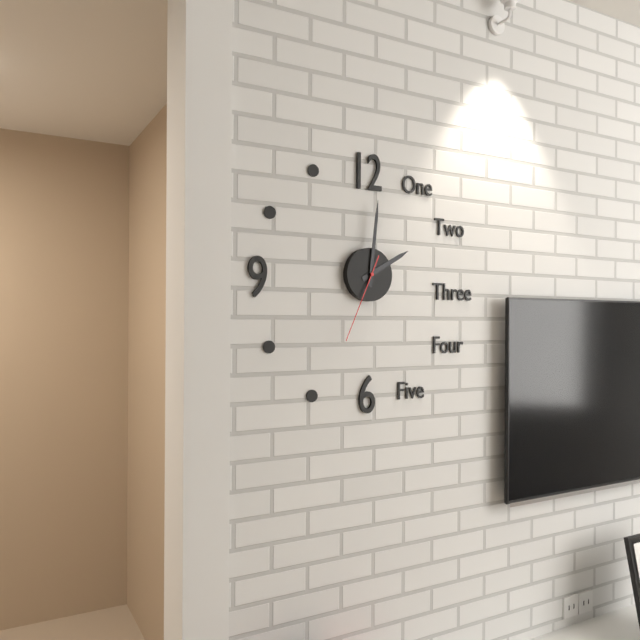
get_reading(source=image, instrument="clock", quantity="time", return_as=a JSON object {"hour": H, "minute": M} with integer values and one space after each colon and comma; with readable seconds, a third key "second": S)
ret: {"hour": 2, "minute": 1, "second": 34}
